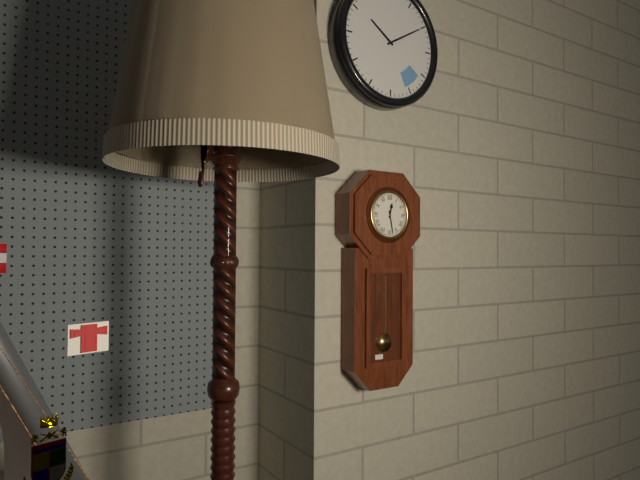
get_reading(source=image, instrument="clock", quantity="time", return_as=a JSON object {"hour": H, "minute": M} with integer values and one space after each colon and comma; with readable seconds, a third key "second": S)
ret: {"hour": 12, "minute": 28}
